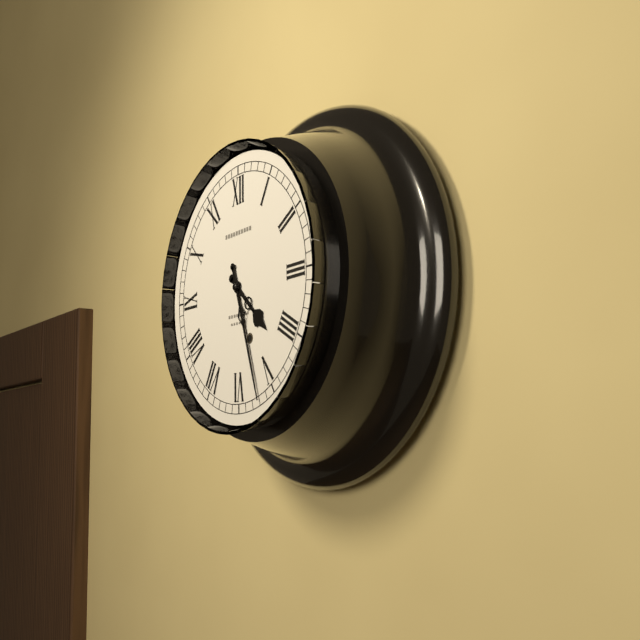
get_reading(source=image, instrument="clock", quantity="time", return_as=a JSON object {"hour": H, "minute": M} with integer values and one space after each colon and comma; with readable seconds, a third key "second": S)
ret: {"hour": 4, "minute": 27}
